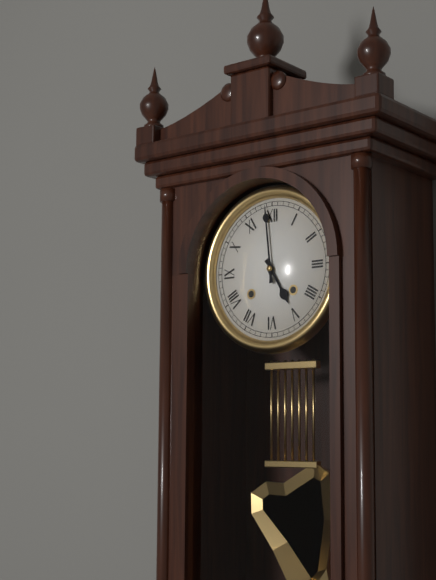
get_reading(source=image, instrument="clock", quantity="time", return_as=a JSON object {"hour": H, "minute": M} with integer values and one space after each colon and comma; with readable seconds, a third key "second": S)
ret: {"hour": 4, "minute": 59}
